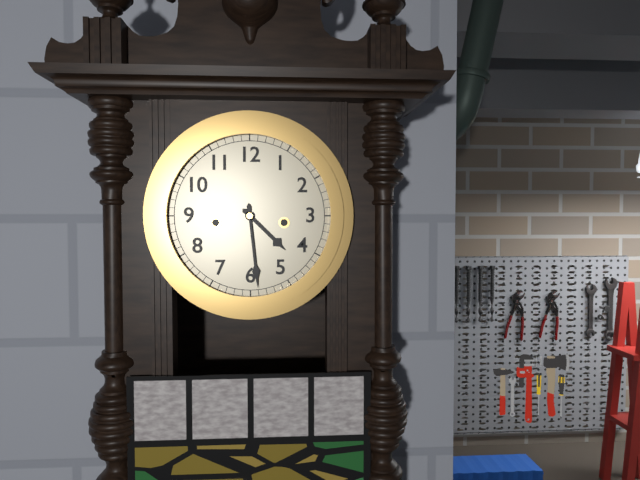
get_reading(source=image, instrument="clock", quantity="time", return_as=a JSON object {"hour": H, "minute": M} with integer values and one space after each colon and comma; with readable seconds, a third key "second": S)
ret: {"hour": 4, "minute": 29}
